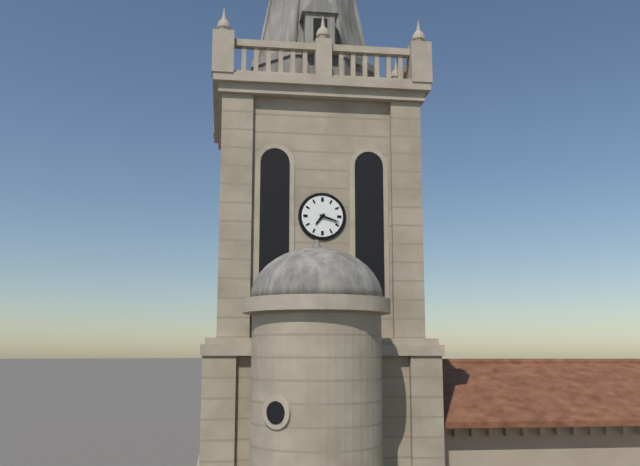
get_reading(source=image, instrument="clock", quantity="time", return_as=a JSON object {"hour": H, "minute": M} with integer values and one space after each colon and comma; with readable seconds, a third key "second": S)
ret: {"hour": 7, "minute": 18}
